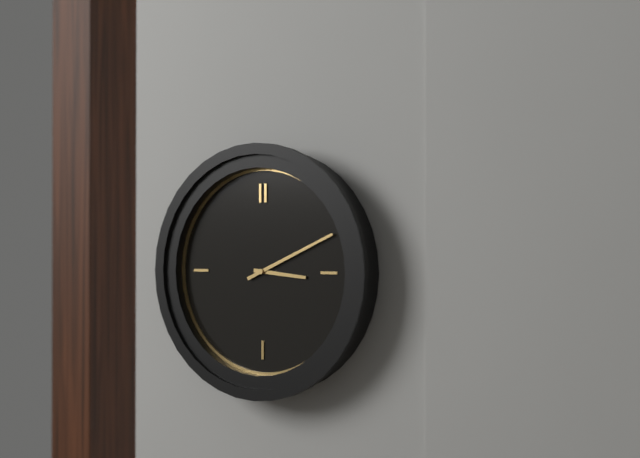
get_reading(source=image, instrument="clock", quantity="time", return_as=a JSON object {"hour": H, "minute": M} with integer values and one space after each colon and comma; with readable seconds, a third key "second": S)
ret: {"hour": 3, "minute": 11}
